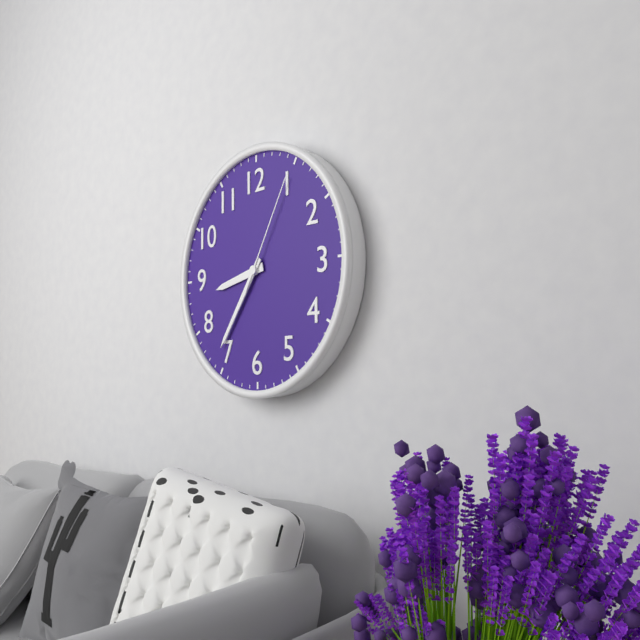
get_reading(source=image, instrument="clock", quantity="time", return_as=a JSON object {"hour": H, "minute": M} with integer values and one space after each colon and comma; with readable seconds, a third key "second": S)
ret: {"hour": 8, "minute": 36, "second": 5}
